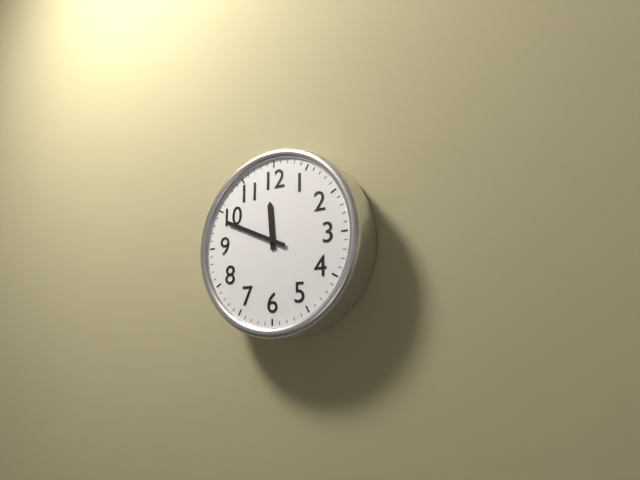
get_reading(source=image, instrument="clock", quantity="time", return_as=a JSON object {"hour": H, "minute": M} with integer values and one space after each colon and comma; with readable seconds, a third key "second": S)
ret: {"hour": 11, "minute": 49}
